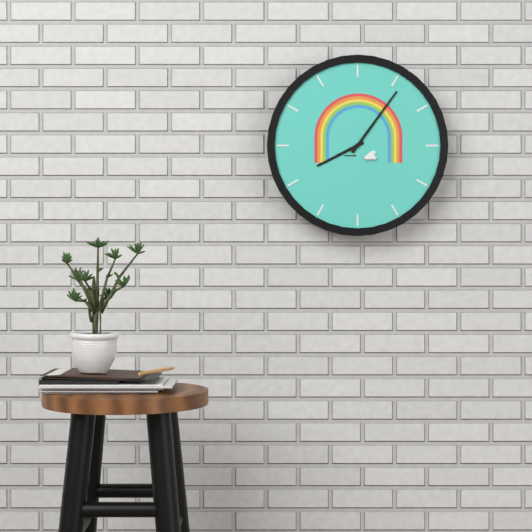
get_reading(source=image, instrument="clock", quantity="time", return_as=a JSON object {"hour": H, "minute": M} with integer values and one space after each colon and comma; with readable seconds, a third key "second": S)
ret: {"hour": 8, "minute": 6}
